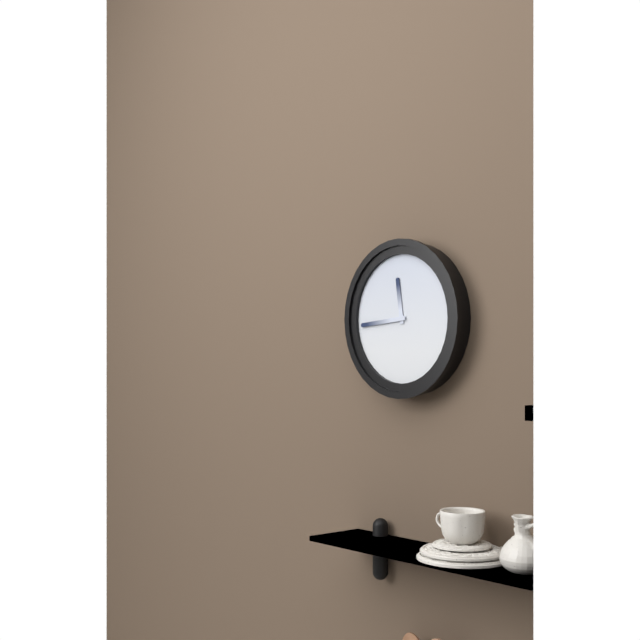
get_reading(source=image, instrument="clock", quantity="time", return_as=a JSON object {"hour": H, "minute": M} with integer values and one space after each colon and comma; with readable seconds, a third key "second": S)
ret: {"hour": 11, "minute": 44}
